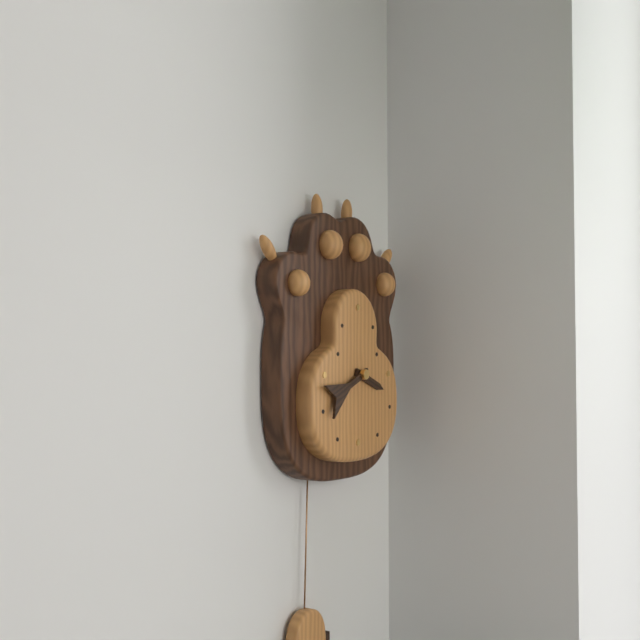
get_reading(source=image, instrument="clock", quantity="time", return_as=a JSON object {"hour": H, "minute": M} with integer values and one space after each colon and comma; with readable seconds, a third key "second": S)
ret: {"hour": 3, "minute": 41}
